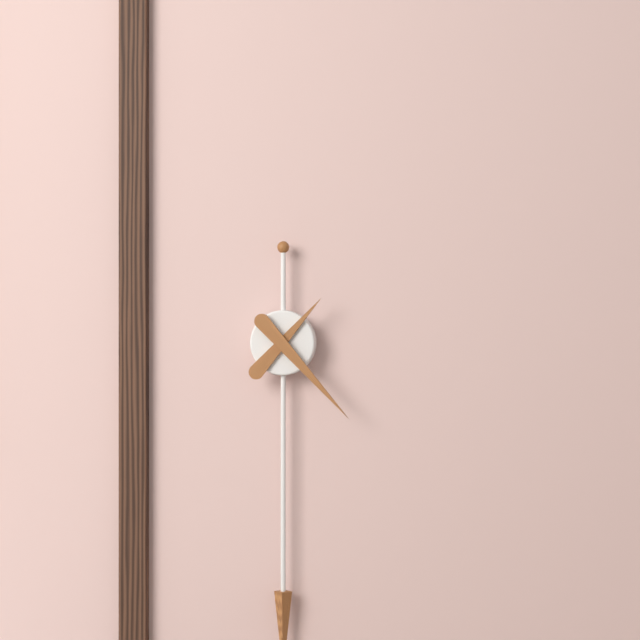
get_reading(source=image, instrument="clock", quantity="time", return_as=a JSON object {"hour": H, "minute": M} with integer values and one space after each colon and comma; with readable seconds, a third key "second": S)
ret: {"hour": 1, "minute": 23}
